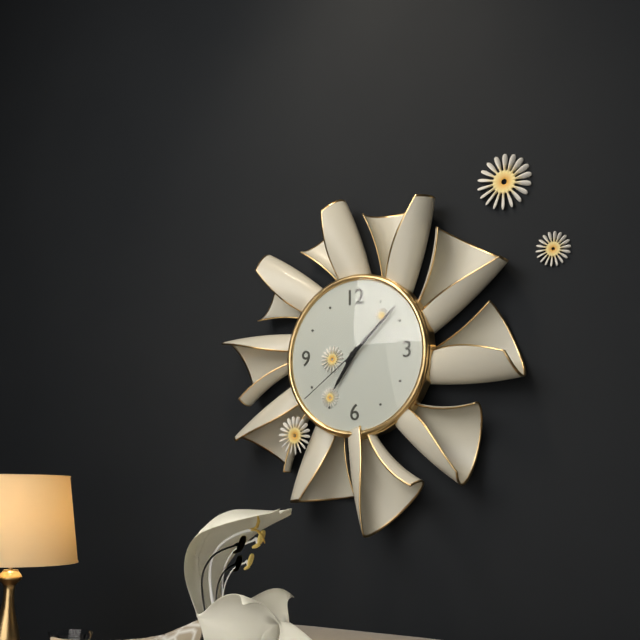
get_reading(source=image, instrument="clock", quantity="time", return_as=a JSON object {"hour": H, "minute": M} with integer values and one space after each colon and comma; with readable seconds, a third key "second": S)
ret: {"hour": 7, "minute": 8, "second": 39}
